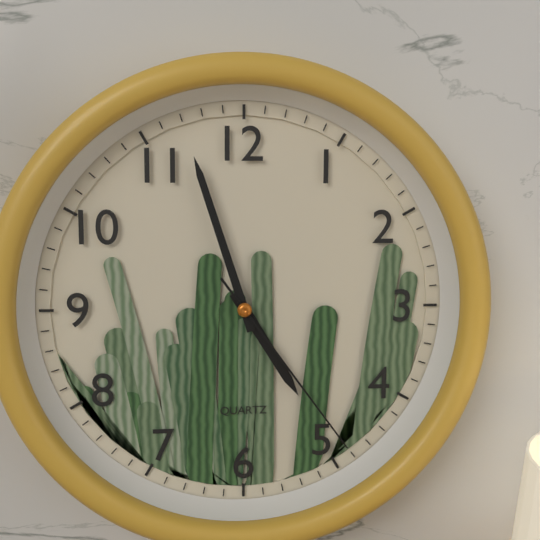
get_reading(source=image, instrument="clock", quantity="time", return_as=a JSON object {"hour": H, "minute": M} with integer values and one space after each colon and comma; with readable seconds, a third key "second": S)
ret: {"hour": 4, "minute": 57, "second": 24}
